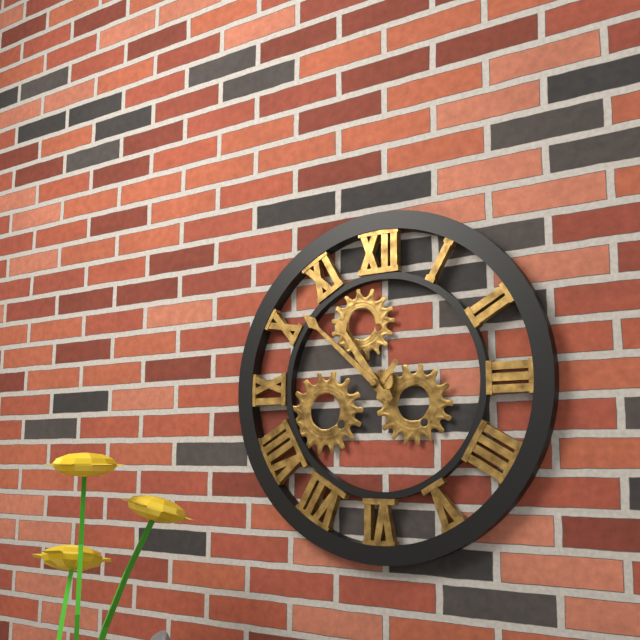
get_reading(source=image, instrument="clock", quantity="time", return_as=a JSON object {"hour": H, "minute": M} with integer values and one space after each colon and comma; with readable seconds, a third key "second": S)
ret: {"hour": 10, "minute": 52}
